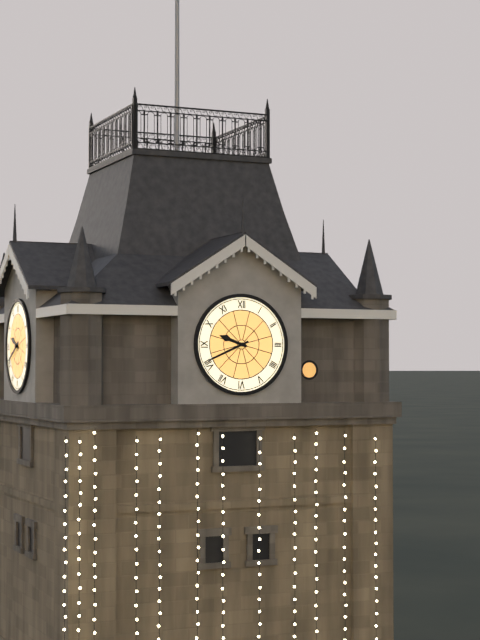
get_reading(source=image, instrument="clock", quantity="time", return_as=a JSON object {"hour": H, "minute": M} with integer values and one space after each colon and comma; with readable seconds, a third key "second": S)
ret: {"hour": 9, "minute": 41}
